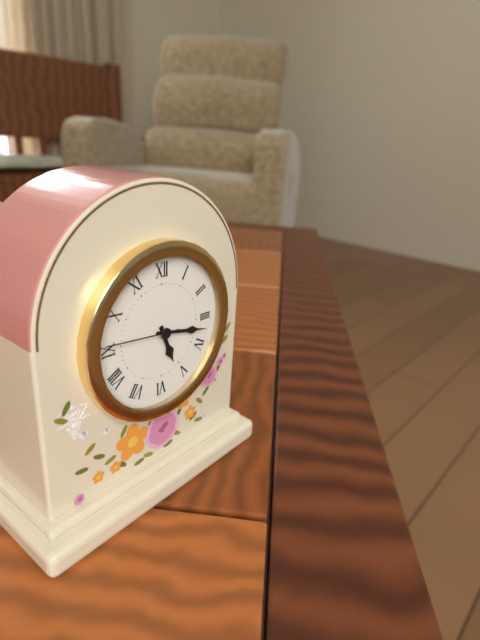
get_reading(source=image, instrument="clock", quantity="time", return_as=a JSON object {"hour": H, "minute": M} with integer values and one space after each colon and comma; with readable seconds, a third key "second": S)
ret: {"hour": 5, "minute": 17, "second": 46}
